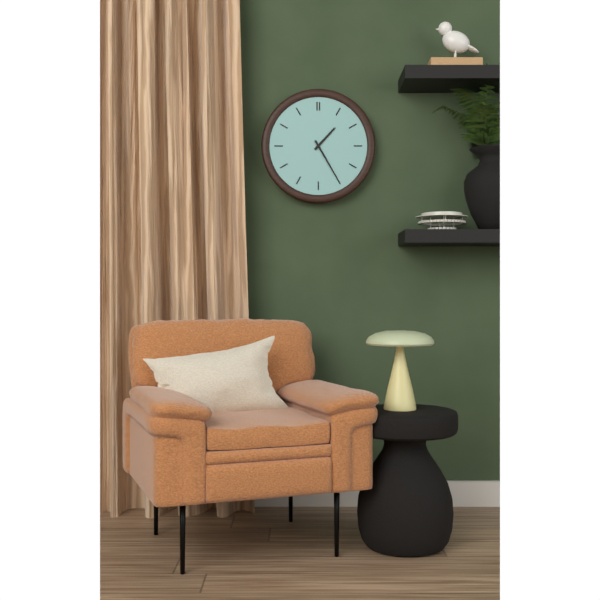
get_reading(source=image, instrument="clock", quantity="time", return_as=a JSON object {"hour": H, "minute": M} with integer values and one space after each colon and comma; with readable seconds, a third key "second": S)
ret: {"hour": 1, "minute": 25}
